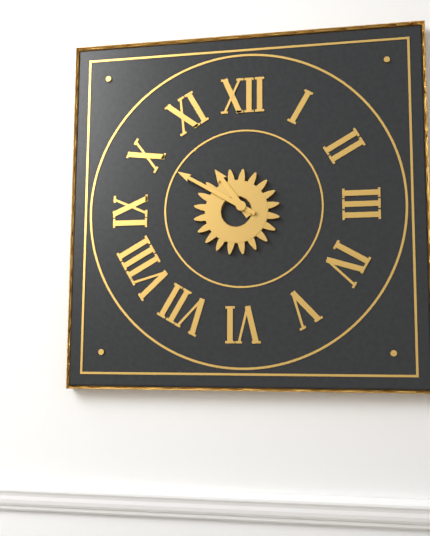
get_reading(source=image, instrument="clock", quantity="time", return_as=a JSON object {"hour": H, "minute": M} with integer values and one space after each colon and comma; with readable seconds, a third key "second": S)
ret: {"hour": 10, "minute": 50}
